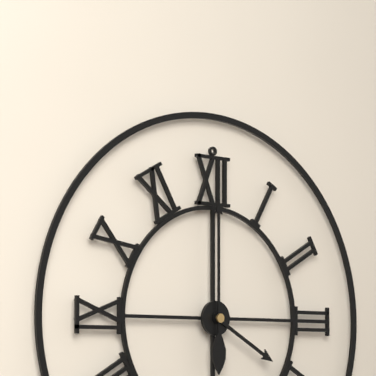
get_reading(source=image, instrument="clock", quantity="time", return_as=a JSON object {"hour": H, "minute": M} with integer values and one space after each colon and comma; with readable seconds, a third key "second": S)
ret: {"hour": 4, "minute": 0}
